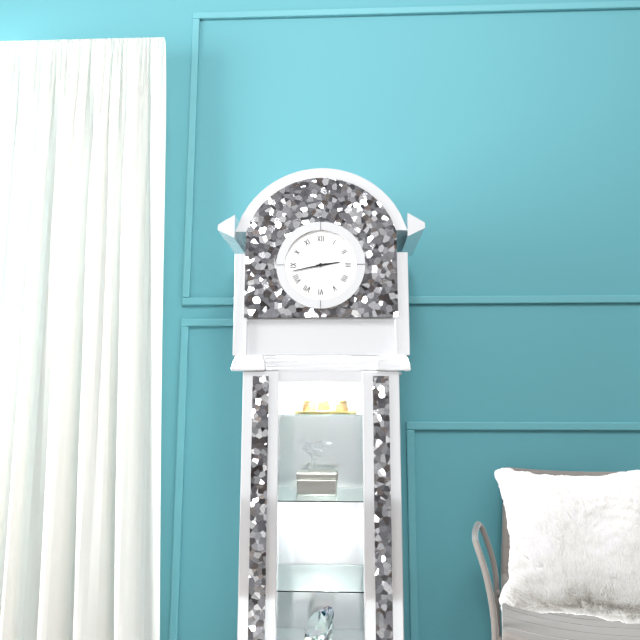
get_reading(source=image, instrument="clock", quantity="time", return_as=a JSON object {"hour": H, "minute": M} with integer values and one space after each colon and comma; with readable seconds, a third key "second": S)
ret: {"hour": 2, "minute": 43}
